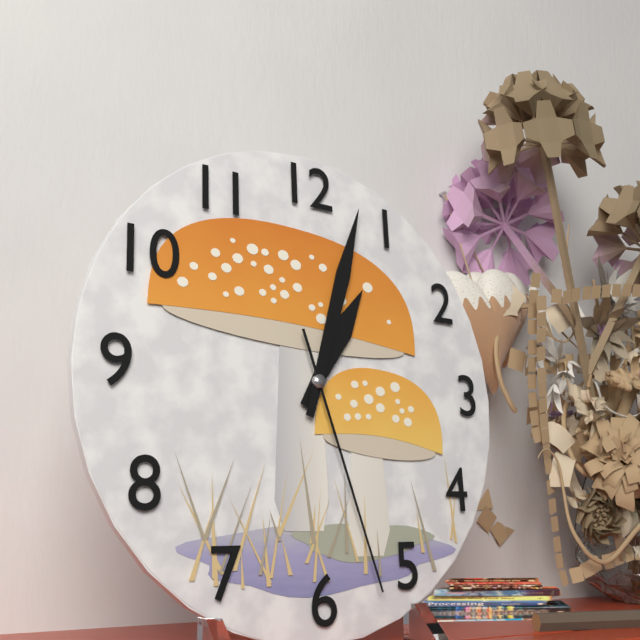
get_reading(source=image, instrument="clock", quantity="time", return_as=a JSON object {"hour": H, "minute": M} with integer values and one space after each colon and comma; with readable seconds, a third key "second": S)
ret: {"hour": 1, "minute": 3, "second": 27}
